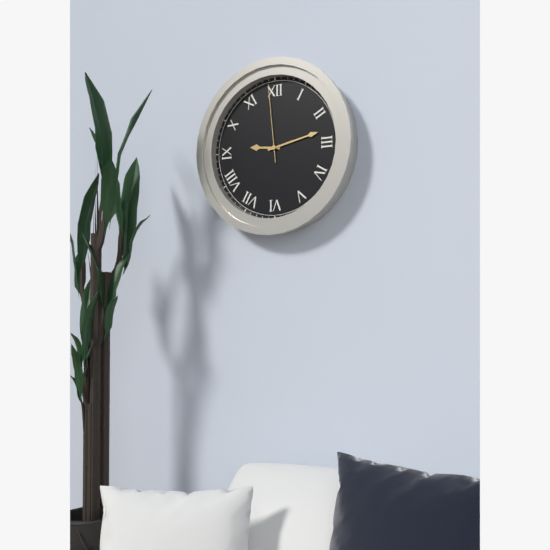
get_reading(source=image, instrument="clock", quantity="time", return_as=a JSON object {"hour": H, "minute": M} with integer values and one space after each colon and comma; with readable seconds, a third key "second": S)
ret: {"hour": 9, "minute": 13, "second": 59}
